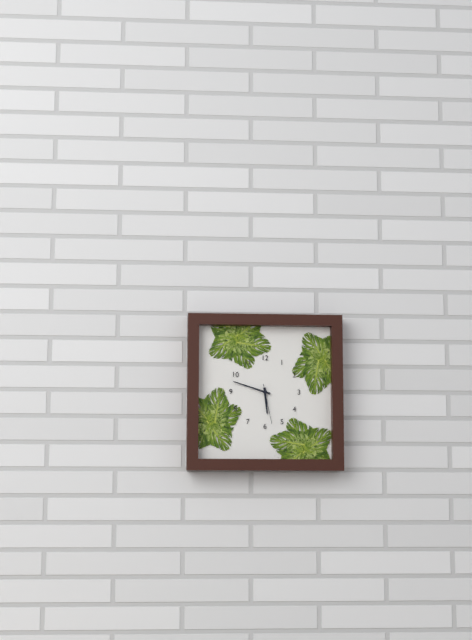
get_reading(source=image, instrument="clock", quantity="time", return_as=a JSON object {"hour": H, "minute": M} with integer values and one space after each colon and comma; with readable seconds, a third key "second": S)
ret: {"hour": 5, "minute": 48}
